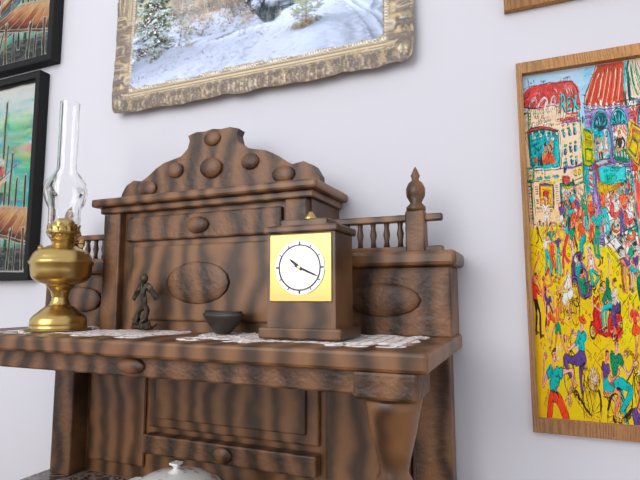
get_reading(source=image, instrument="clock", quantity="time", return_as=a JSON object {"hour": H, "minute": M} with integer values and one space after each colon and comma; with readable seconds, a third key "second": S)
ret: {"hour": 10, "minute": 19}
